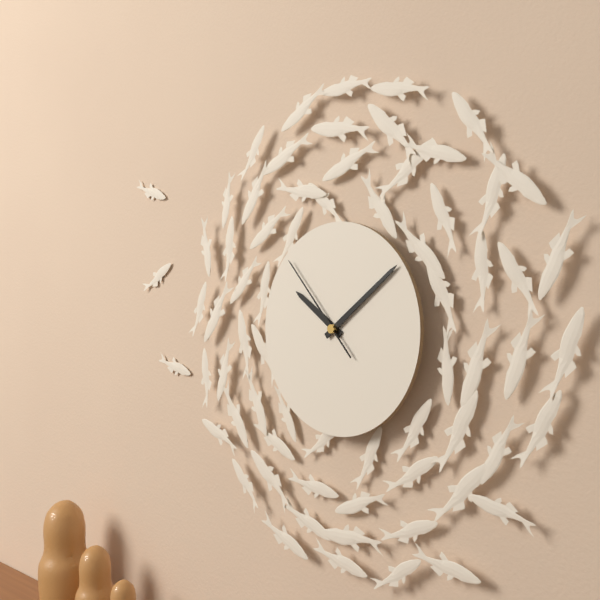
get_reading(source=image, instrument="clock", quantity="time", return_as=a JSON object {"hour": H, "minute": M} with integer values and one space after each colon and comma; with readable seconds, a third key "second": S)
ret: {"hour": 10, "minute": 9, "second": 53}
